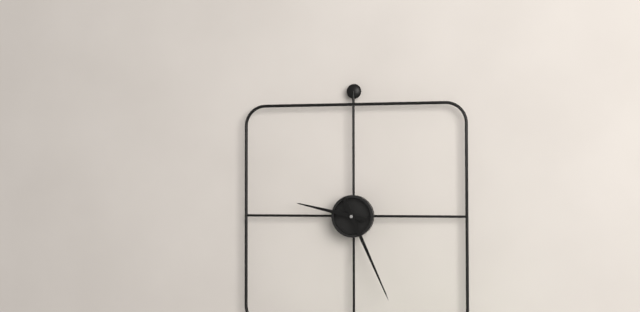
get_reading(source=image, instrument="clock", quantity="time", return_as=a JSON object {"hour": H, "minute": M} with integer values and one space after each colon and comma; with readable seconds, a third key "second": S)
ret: {"hour": 9, "minute": 26}
